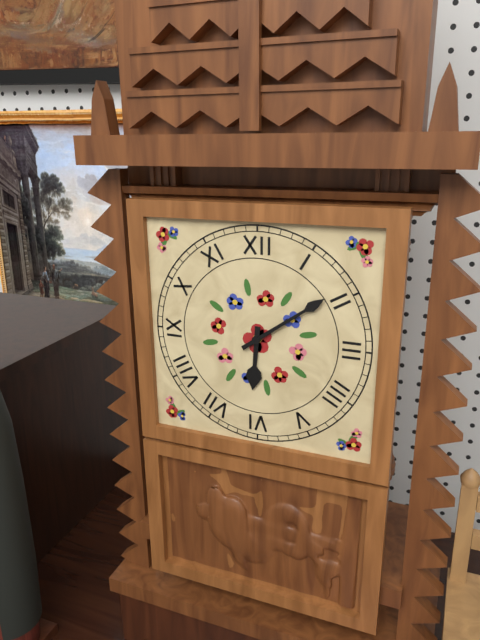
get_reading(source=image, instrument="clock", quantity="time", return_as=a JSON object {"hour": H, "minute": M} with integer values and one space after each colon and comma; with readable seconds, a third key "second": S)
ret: {"hour": 6, "minute": 9}
